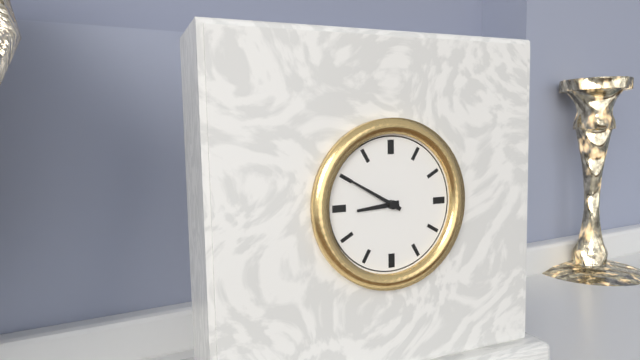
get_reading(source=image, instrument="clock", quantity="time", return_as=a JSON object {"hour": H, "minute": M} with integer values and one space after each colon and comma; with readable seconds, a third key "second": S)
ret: {"hour": 8, "minute": 50}
